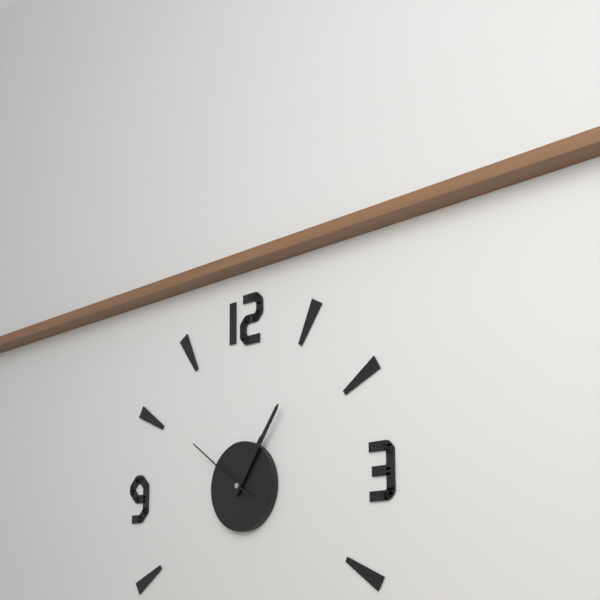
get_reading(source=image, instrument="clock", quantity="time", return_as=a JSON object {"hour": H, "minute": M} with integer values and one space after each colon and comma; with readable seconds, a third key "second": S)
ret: {"hour": 1, "minute": 6, "second": 51}
